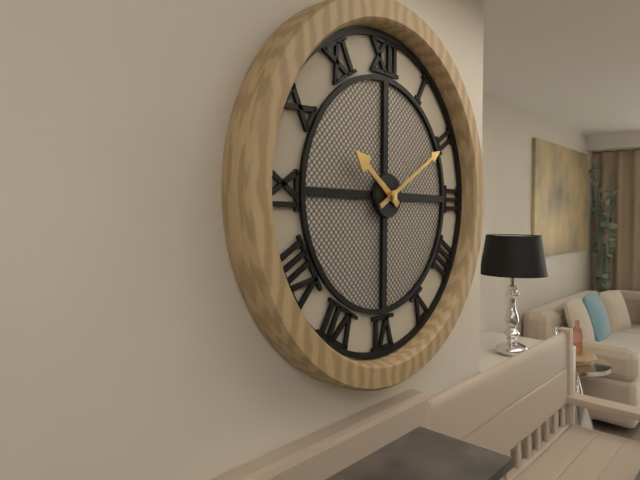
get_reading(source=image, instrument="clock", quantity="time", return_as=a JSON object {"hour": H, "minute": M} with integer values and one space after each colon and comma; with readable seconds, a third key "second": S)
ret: {"hour": 10, "minute": 10}
